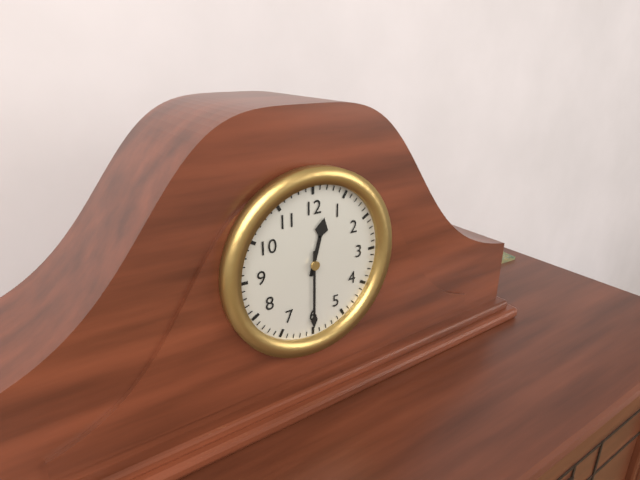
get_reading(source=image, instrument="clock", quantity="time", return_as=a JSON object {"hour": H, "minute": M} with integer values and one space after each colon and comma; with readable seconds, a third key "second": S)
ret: {"hour": 12, "minute": 30}
